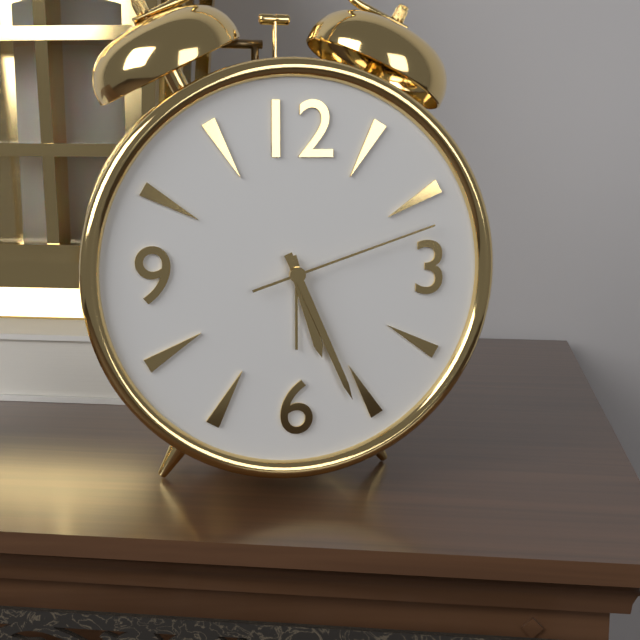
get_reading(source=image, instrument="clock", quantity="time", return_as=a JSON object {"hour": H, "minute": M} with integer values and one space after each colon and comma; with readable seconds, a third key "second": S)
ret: {"hour": 5, "minute": 26, "second": 12}
